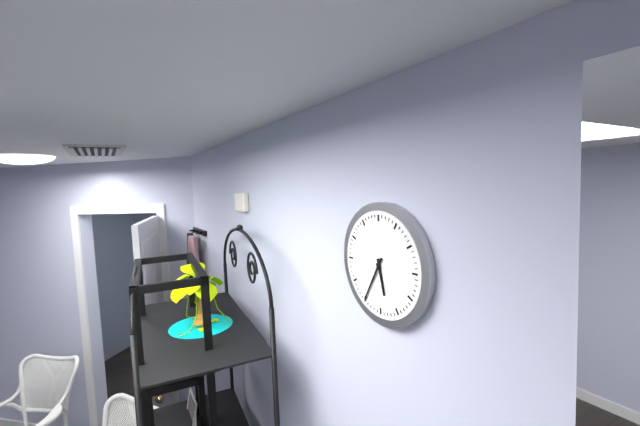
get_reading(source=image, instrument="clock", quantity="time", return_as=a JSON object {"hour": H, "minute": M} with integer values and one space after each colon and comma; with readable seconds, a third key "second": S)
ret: {"hour": 5, "minute": 35}
